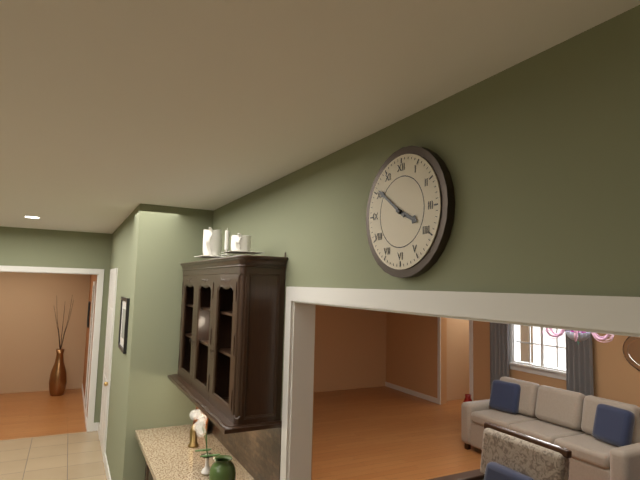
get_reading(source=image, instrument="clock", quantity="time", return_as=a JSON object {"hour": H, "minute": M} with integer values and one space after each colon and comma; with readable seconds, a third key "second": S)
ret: {"hour": 3, "minute": 51}
